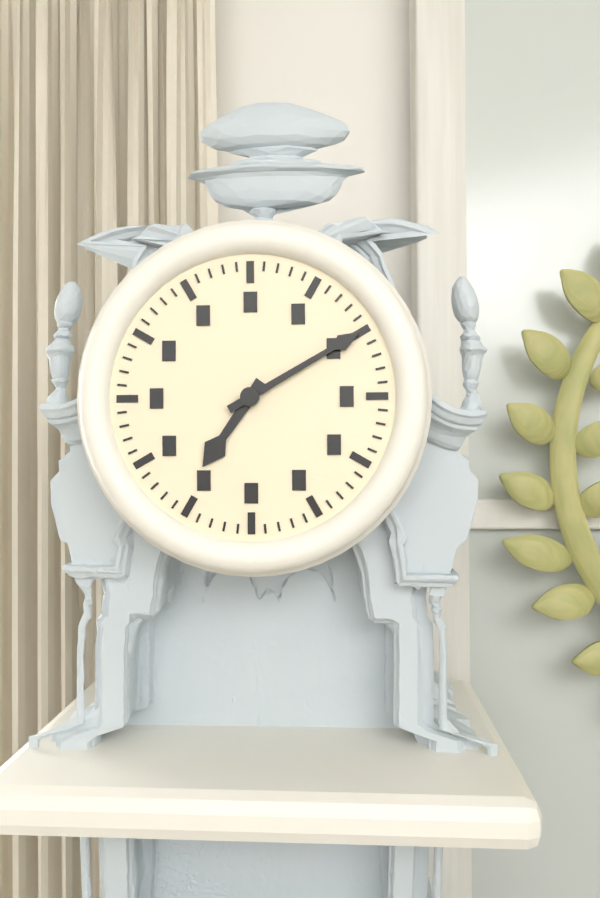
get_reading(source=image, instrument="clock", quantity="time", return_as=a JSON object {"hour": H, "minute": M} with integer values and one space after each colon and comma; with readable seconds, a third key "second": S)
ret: {"hour": 7, "minute": 10}
